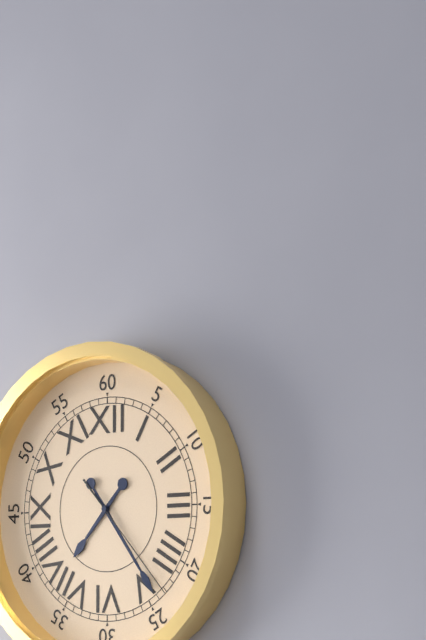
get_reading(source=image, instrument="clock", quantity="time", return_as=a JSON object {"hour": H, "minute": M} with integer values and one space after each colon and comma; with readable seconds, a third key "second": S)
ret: {"hour": 7, "minute": 24, "second": 23}
